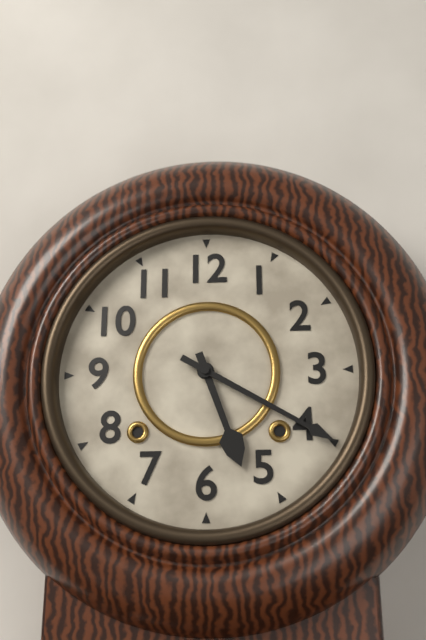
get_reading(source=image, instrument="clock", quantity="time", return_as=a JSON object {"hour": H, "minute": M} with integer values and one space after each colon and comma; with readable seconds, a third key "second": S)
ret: {"hour": 5, "minute": 20}
